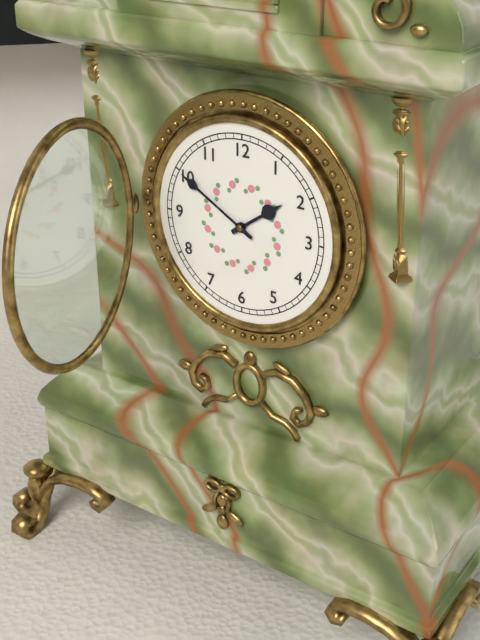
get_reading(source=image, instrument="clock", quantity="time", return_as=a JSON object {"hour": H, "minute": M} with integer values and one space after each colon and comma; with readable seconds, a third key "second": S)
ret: {"hour": 1, "minute": 50}
